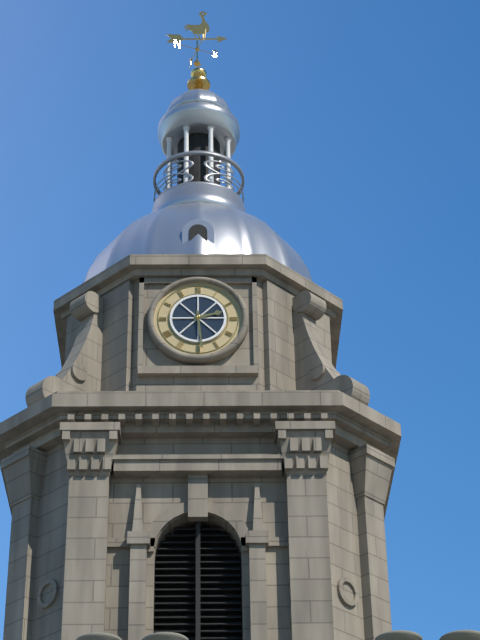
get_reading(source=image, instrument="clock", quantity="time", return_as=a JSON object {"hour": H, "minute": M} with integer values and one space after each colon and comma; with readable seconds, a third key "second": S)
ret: {"hour": 2, "minute": 29}
